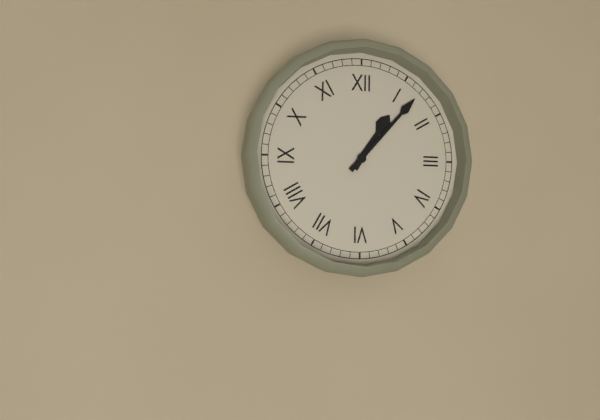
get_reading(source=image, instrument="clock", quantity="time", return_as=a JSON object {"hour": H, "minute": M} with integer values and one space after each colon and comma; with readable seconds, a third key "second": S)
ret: {"hour": 1, "minute": 7}
